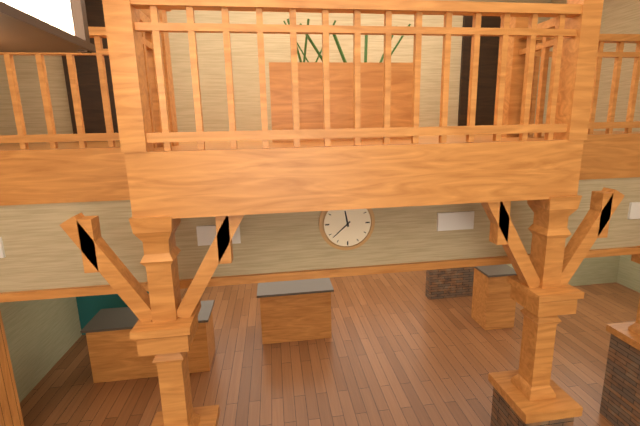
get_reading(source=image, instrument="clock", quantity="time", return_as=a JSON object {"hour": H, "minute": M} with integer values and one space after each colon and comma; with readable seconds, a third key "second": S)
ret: {"hour": 11, "minute": 38}
